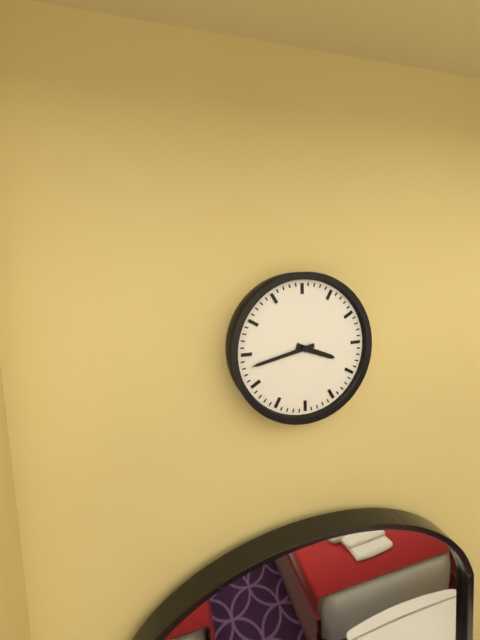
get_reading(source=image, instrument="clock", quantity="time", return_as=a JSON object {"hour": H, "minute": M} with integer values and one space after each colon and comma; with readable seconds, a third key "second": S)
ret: {"hour": 3, "minute": 43}
